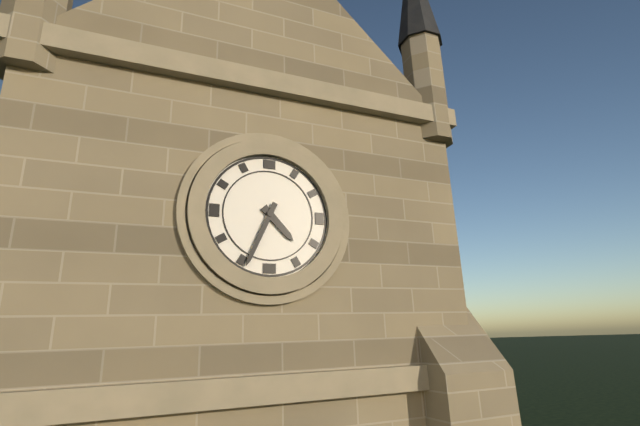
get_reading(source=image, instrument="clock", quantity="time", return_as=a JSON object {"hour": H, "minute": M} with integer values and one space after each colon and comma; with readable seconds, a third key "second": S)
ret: {"hour": 4, "minute": 34}
